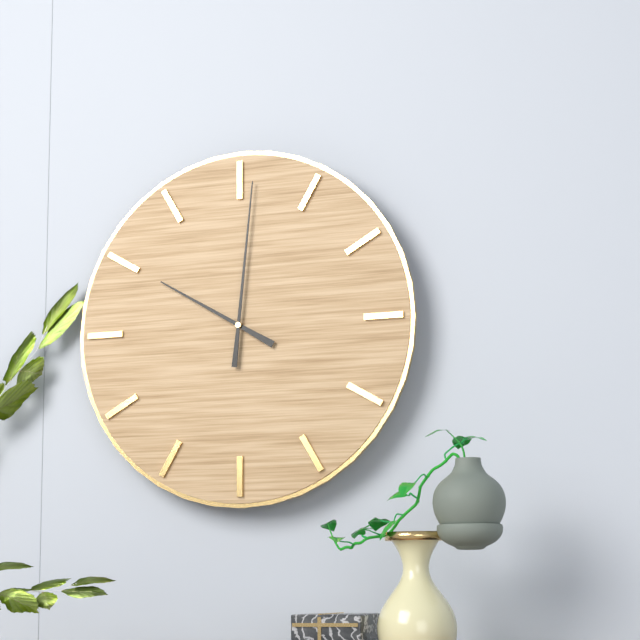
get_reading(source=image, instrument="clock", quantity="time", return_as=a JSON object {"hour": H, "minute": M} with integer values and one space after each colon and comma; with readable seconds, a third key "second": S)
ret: {"hour": 10, "minute": 1}
